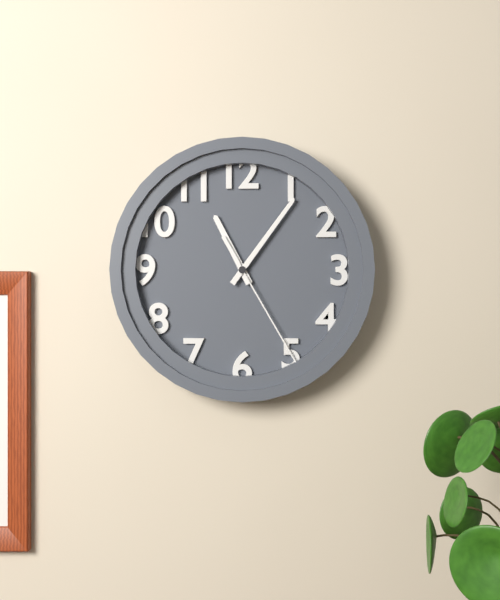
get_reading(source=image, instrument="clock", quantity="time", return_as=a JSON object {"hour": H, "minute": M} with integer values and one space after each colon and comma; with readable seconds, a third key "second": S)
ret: {"hour": 11, "minute": 6, "second": 25}
